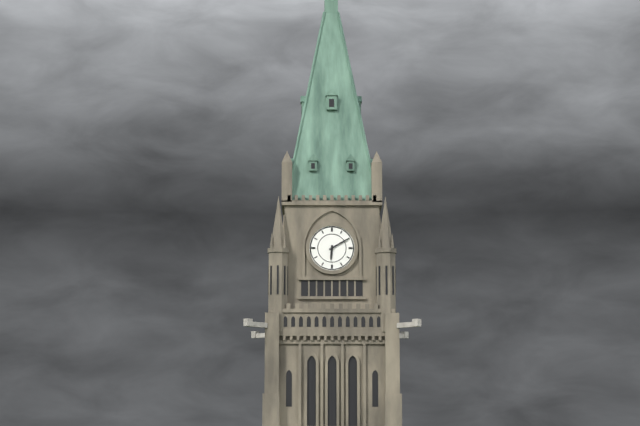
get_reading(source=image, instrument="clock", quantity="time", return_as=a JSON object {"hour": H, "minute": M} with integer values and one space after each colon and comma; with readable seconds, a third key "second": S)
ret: {"hour": 6, "minute": 10}
